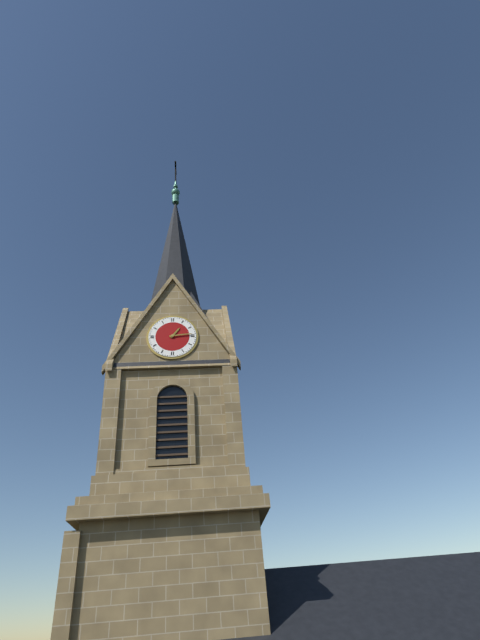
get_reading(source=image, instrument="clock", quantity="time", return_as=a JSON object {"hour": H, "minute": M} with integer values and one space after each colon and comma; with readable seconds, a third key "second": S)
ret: {"hour": 1, "minute": 14}
